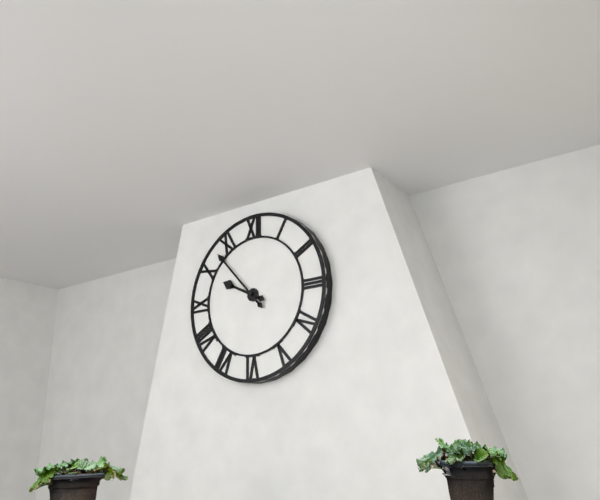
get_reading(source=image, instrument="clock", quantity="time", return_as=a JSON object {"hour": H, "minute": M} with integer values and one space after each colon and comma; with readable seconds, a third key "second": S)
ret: {"hour": 9, "minute": 53}
